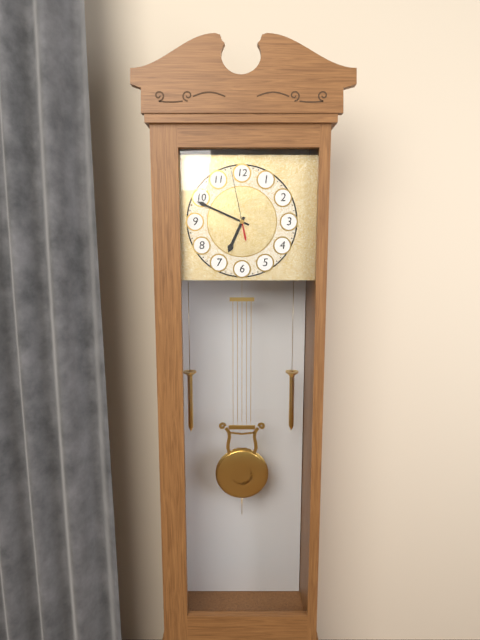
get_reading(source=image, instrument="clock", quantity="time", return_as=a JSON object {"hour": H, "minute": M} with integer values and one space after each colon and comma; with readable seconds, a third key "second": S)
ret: {"hour": 6, "minute": 49, "second": 58}
